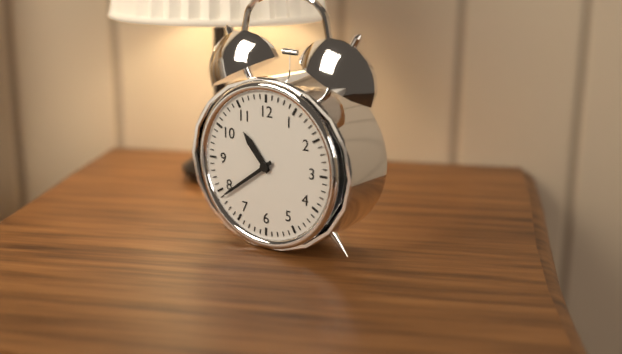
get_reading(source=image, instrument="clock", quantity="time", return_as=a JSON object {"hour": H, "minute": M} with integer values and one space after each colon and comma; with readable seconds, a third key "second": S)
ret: {"hour": 10, "minute": 39}
